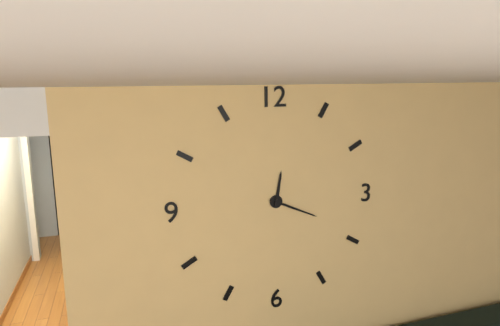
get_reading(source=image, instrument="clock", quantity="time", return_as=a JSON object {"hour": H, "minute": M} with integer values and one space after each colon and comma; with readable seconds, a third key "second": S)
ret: {"hour": 12, "minute": 19}
